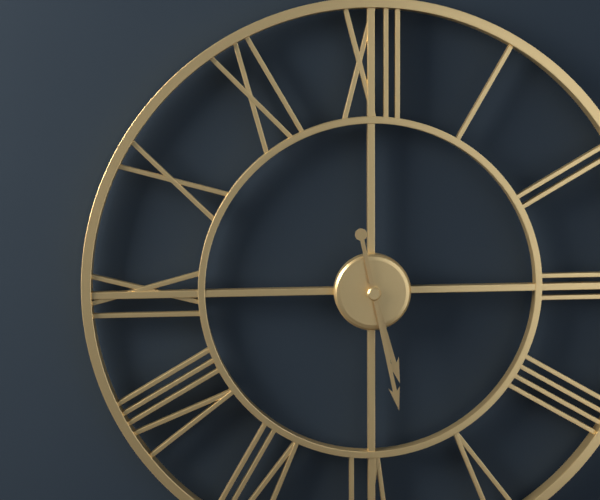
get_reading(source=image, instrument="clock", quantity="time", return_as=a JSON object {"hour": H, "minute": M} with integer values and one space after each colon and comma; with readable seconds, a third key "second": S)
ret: {"hour": 5, "minute": 28}
